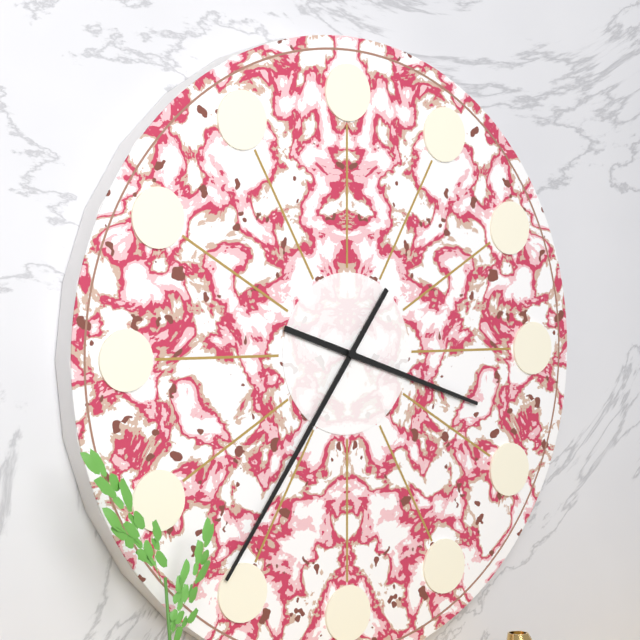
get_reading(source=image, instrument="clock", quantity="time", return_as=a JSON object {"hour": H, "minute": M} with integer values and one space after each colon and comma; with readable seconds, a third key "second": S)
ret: {"hour": 3, "minute": 36}
